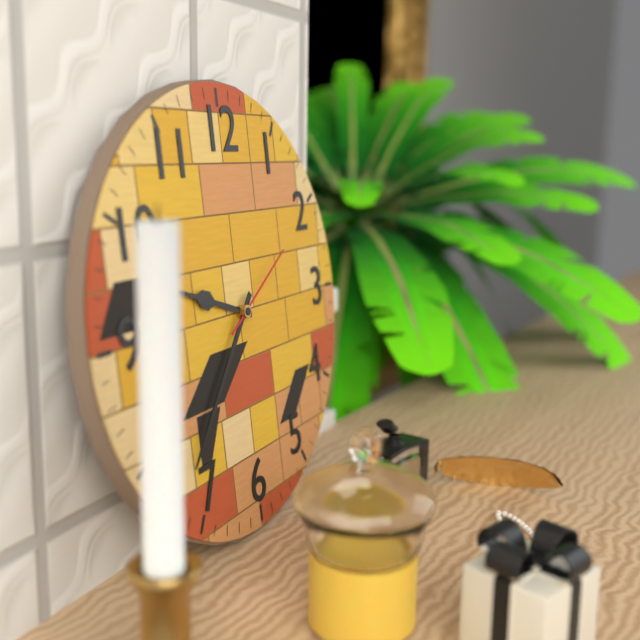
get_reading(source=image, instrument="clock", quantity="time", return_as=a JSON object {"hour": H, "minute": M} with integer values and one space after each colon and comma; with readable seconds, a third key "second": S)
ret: {"hour": 9, "minute": 37, "second": 10}
